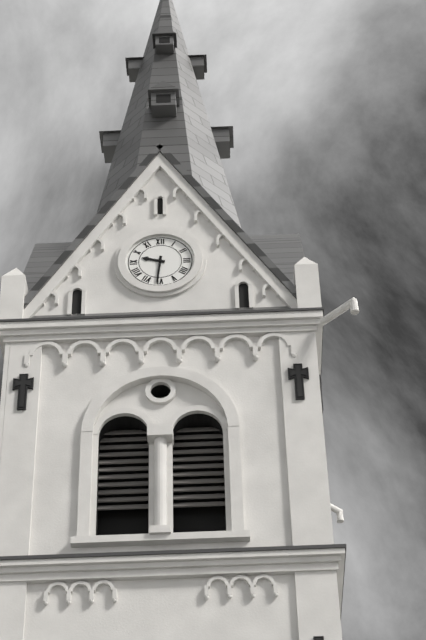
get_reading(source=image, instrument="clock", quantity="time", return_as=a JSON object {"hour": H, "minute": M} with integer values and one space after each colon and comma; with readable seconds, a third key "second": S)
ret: {"hour": 9, "minute": 31}
